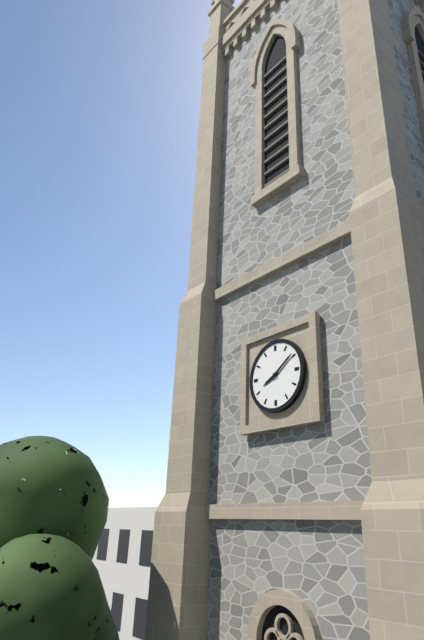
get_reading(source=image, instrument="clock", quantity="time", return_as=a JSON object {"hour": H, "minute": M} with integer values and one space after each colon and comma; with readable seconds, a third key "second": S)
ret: {"hour": 8, "minute": 9}
